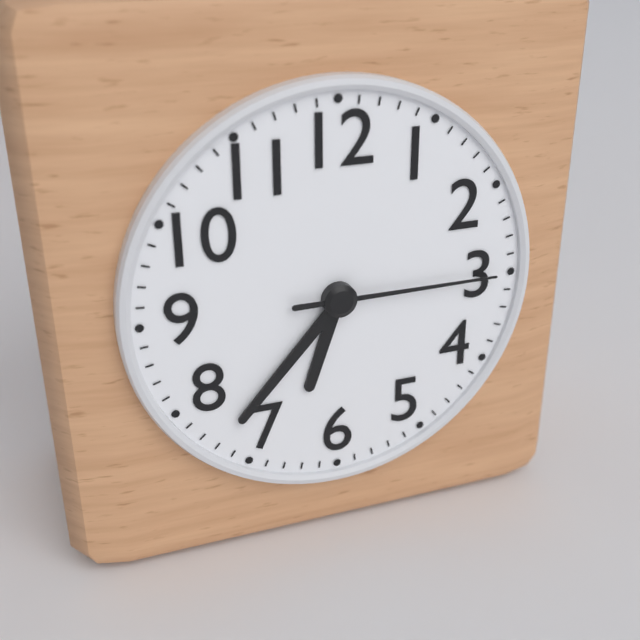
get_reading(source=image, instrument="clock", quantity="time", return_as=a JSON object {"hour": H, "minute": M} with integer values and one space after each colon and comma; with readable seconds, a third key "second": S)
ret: {"hour": 6, "minute": 37, "second": 15}
